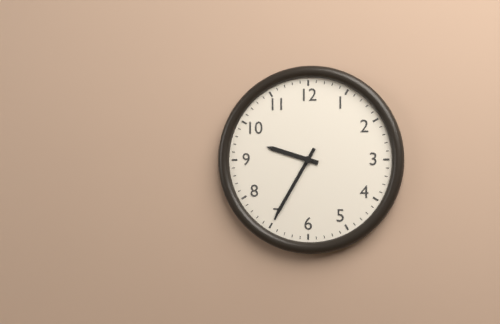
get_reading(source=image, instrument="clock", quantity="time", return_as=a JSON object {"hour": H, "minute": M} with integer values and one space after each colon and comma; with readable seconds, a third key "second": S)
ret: {"hour": 9, "minute": 35}
